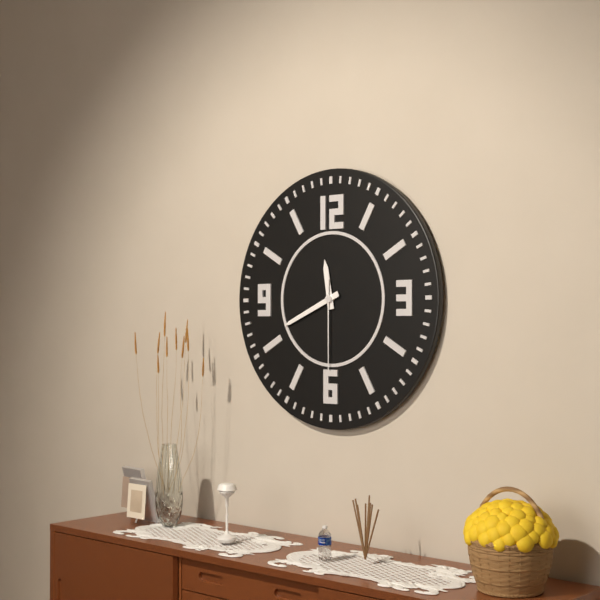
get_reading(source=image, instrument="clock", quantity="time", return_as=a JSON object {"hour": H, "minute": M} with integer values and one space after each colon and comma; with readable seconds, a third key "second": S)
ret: {"hour": 11, "minute": 41, "second": 30}
